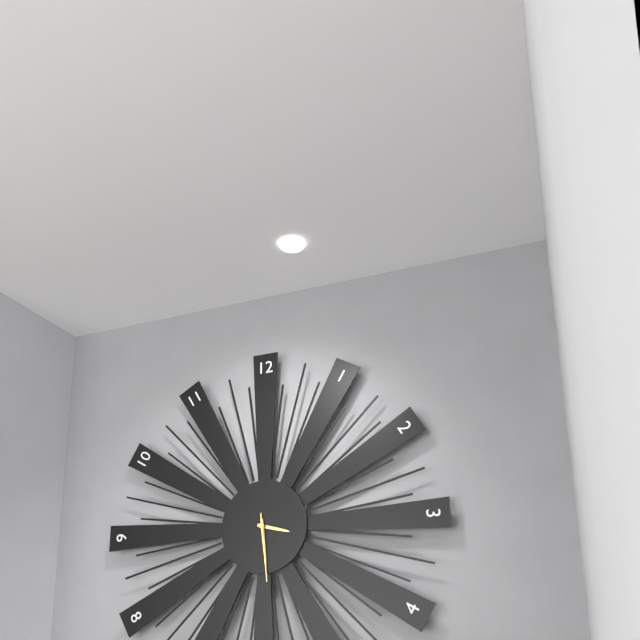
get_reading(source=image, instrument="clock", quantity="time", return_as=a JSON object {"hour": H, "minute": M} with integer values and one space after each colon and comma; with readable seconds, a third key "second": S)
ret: {"hour": 3, "minute": 29, "second": 29}
